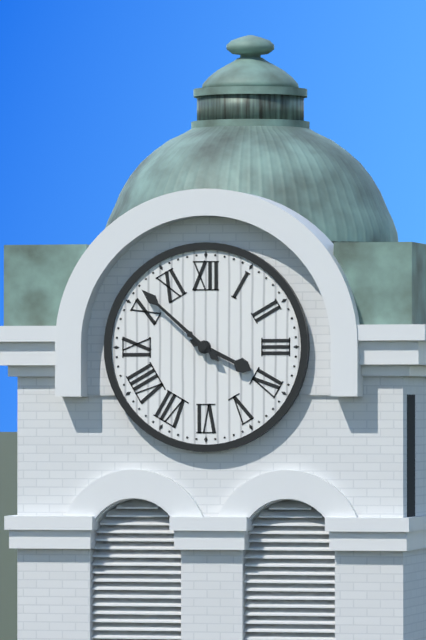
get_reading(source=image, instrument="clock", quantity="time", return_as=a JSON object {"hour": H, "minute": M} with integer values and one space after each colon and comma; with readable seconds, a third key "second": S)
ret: {"hour": 3, "minute": 52}
